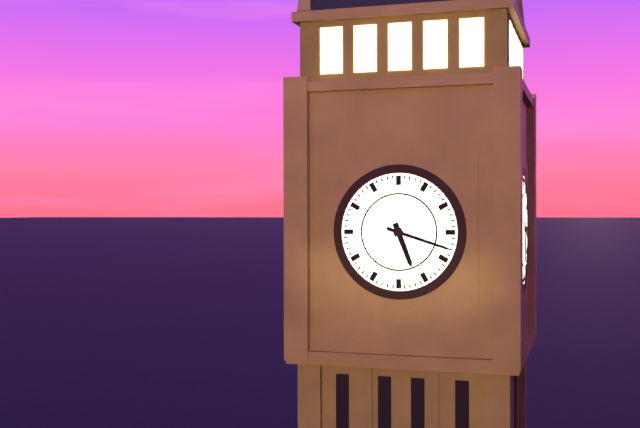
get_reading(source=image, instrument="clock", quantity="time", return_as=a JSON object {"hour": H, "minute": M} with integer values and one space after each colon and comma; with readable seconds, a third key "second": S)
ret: {"hour": 5, "minute": 18}
